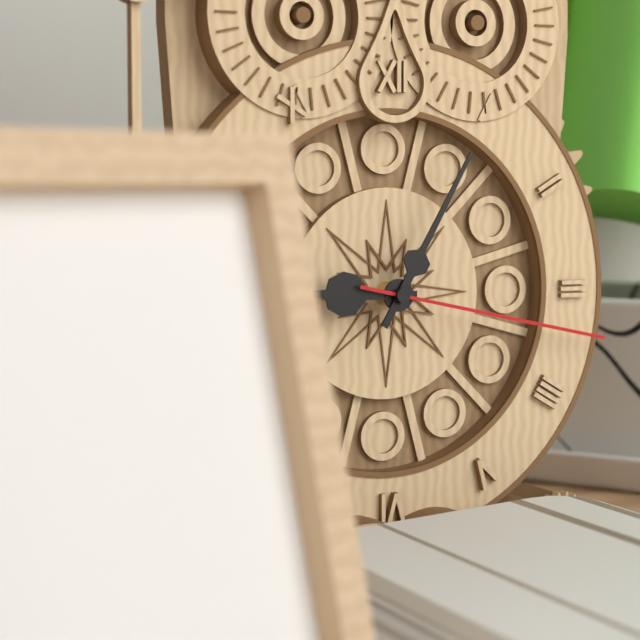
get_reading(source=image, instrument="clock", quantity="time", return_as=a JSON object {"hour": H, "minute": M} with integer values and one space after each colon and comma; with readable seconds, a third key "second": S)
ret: {"hour": 9, "minute": 5, "second": 17}
